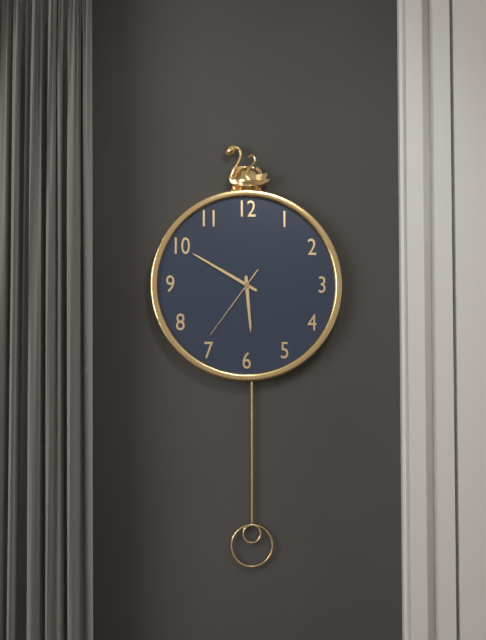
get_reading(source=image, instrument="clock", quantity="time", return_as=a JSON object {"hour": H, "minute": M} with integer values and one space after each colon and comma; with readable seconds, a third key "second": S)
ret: {"hour": 5, "minute": 50, "second": 36}
